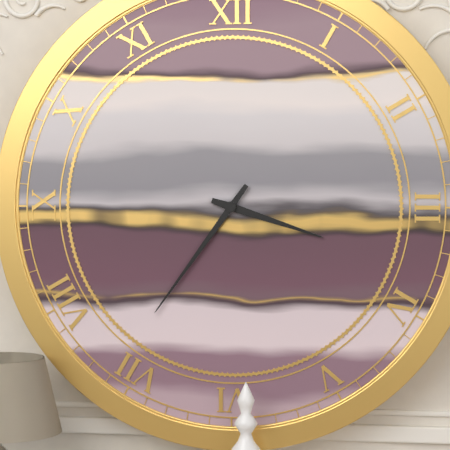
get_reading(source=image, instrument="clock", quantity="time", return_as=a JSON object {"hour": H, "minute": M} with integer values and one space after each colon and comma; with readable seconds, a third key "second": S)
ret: {"hour": 3, "minute": 36}
